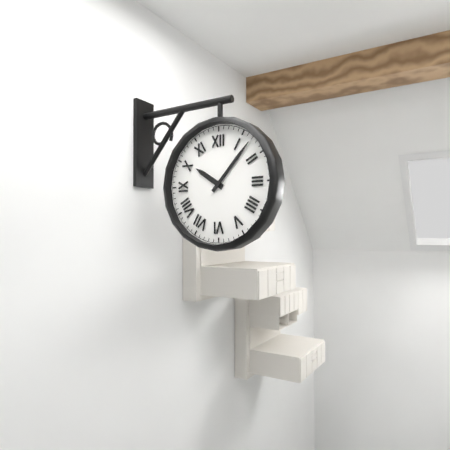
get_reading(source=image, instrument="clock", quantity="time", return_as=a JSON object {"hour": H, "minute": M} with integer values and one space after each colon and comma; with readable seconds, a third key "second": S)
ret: {"hour": 10, "minute": 7}
